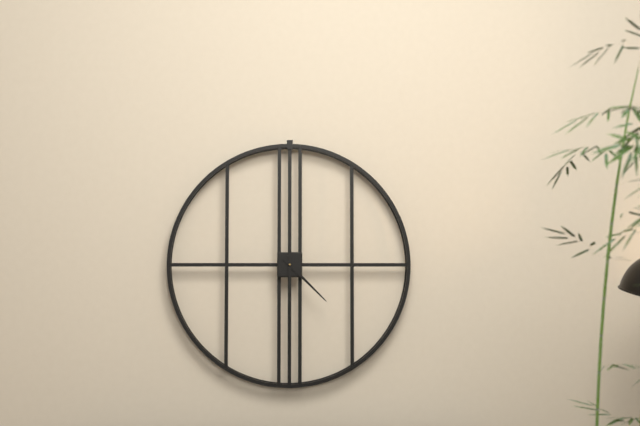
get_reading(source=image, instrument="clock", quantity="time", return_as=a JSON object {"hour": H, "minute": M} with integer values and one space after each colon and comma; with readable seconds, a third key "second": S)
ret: {"hour": 4, "minute": 30}
